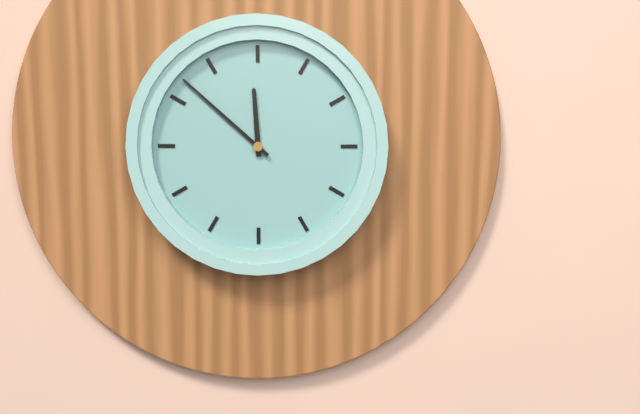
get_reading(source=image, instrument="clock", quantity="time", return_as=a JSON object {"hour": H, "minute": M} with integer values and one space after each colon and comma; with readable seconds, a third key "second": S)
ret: {"hour": 11, "minute": 52}
